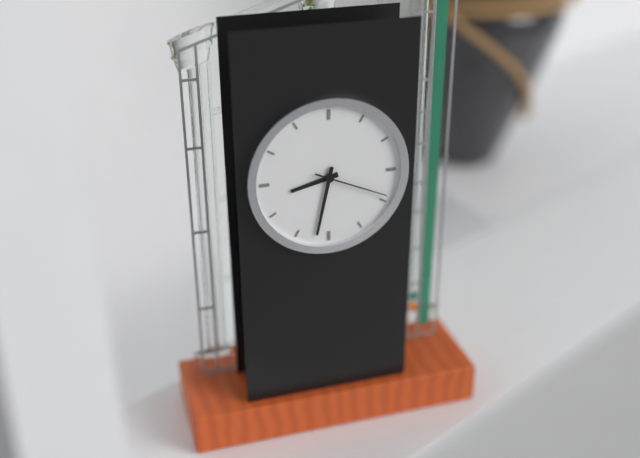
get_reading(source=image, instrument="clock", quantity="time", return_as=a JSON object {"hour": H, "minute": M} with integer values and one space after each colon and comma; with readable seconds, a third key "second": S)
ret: {"hour": 8, "minute": 32, "second": 19}
